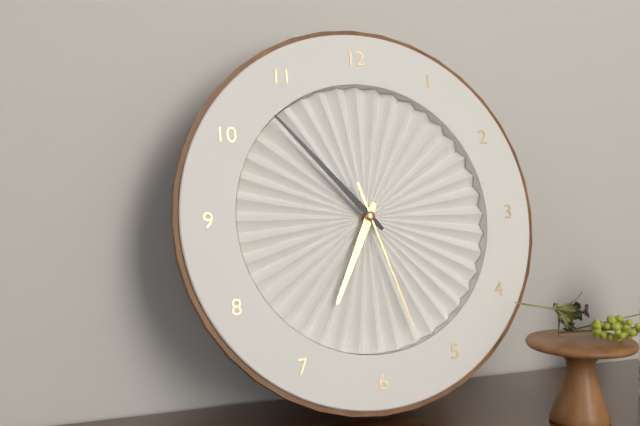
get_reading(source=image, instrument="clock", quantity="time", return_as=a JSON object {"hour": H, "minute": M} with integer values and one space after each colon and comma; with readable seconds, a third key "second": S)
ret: {"hour": 6, "minute": 53, "second": 27}
